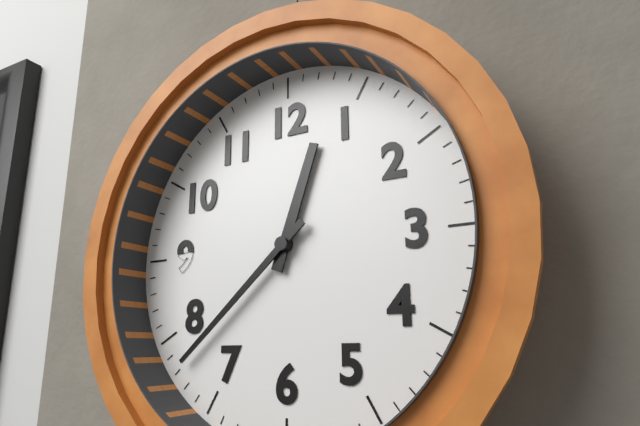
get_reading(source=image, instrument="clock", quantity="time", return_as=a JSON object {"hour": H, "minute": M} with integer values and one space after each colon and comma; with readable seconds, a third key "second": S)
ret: {"hour": 12, "minute": 38}
